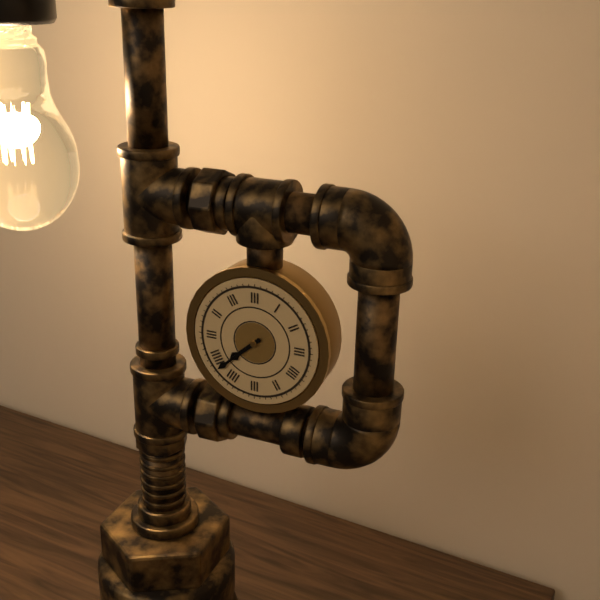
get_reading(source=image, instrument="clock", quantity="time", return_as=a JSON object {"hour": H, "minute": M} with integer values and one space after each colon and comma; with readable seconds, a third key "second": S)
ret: {"hour": 7, "minute": 38}
